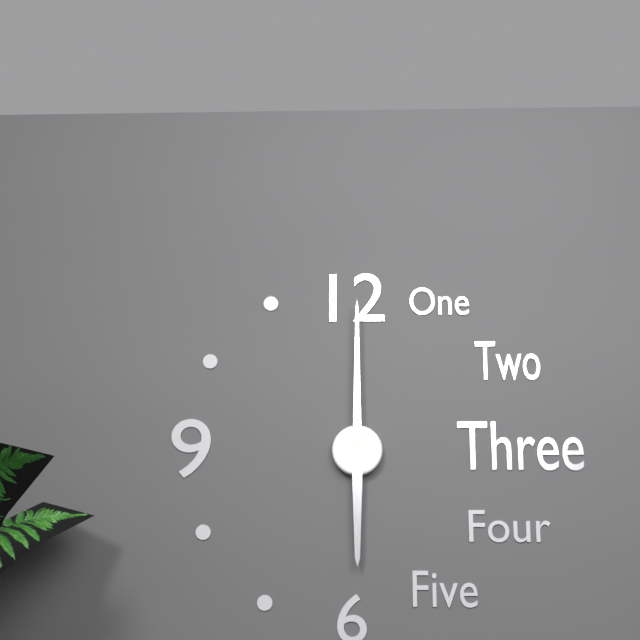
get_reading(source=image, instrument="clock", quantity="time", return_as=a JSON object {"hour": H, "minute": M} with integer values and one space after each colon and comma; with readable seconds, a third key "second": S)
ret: {"hour": 6, "minute": 0}
